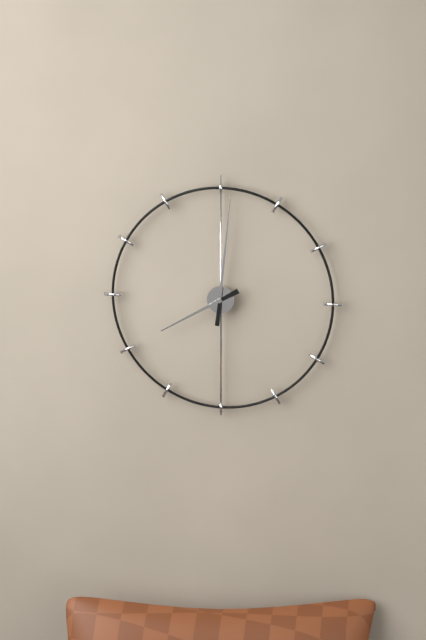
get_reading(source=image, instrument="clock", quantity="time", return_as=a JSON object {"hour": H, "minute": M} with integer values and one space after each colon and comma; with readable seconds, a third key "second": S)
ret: {"hour": 8, "minute": 1}
